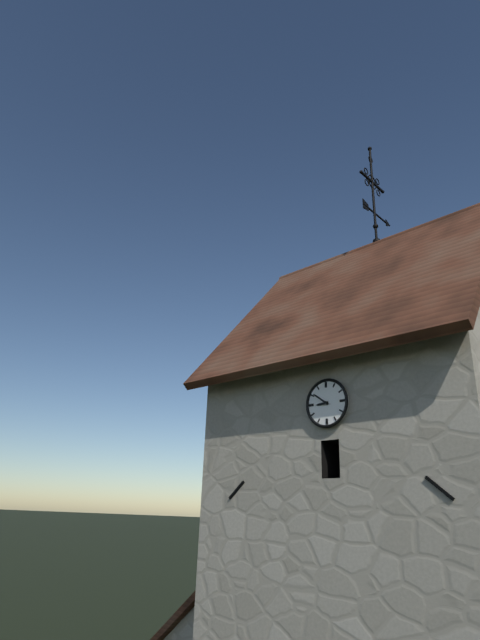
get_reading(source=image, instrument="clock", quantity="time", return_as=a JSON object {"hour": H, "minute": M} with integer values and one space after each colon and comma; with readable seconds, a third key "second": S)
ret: {"hour": 8, "minute": 51}
